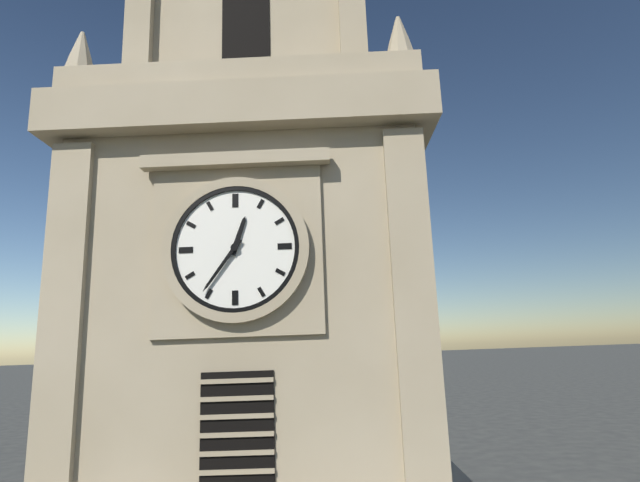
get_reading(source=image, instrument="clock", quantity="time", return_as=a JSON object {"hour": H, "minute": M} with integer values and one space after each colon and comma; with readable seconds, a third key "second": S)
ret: {"hour": 12, "minute": 36}
